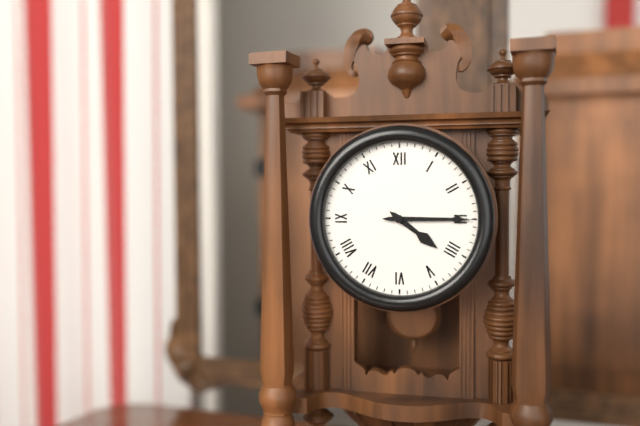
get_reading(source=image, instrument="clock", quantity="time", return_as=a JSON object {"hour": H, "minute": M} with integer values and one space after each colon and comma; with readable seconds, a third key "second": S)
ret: {"hour": 4, "minute": 15}
